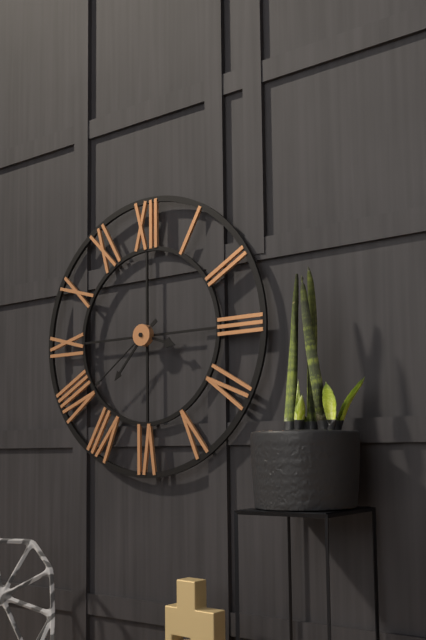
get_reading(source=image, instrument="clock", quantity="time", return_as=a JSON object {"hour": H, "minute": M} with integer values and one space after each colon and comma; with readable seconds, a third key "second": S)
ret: {"hour": 3, "minute": 37, "second": 39}
